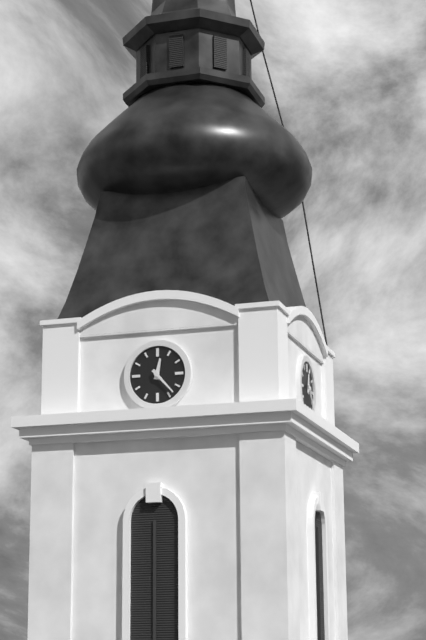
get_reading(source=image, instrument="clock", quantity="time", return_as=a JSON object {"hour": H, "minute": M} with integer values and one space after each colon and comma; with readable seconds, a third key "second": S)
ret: {"hour": 12, "minute": 23}
